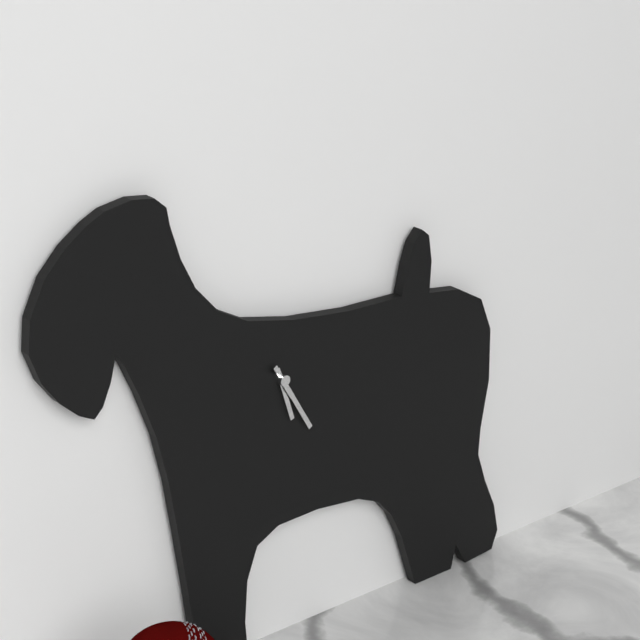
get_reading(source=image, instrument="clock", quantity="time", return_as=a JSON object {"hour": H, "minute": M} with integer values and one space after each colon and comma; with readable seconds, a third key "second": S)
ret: {"hour": 5, "minute": 25}
